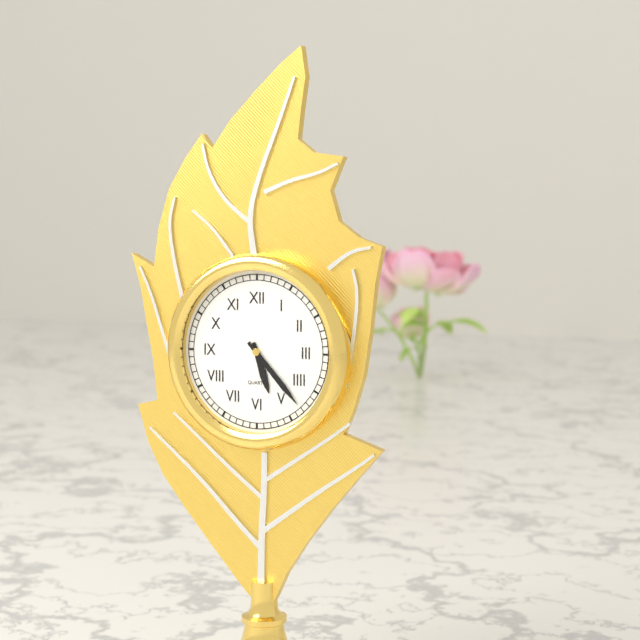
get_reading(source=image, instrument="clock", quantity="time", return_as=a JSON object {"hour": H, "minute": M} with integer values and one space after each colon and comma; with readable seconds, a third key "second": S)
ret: {"hour": 5, "minute": 23}
